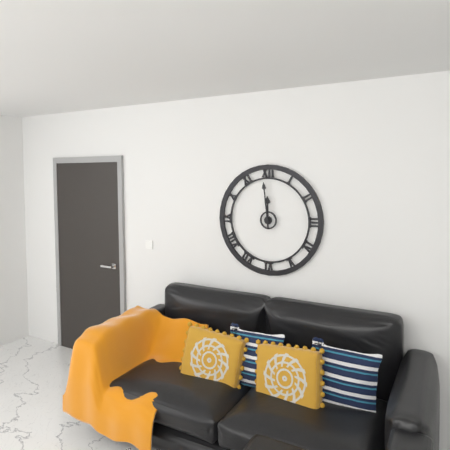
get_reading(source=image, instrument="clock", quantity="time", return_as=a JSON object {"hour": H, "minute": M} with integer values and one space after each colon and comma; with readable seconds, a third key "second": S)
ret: {"hour": 11, "minute": 59}
